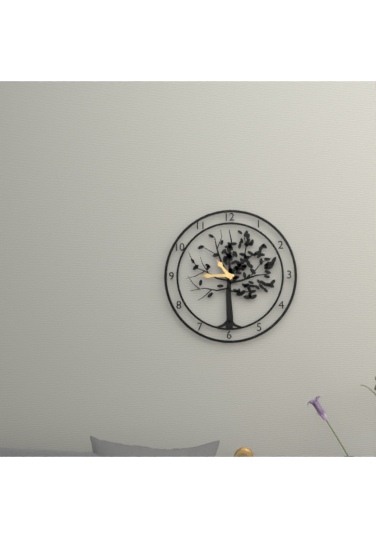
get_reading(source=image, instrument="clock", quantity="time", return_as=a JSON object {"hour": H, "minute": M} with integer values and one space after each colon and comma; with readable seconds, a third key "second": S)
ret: {"hour": 10, "minute": 45}
